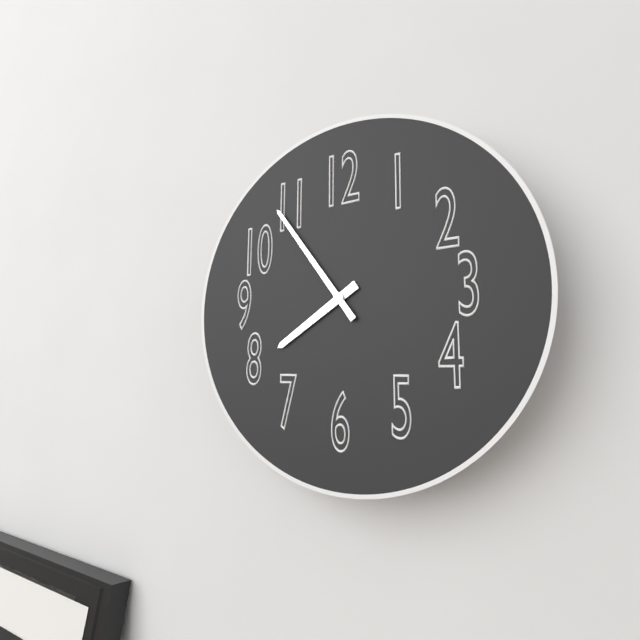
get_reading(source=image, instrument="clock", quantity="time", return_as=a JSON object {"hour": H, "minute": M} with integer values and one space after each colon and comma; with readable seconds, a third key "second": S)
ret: {"hour": 7, "minute": 54}
